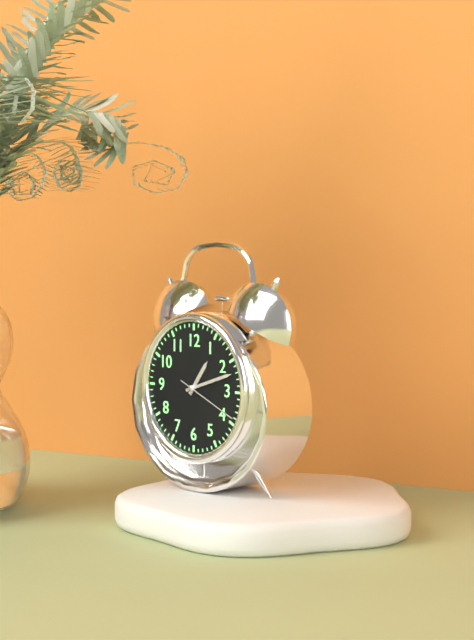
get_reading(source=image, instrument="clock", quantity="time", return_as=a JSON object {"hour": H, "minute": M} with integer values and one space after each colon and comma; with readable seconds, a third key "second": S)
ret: {"hour": 1, "minute": 12, "second": 19}
